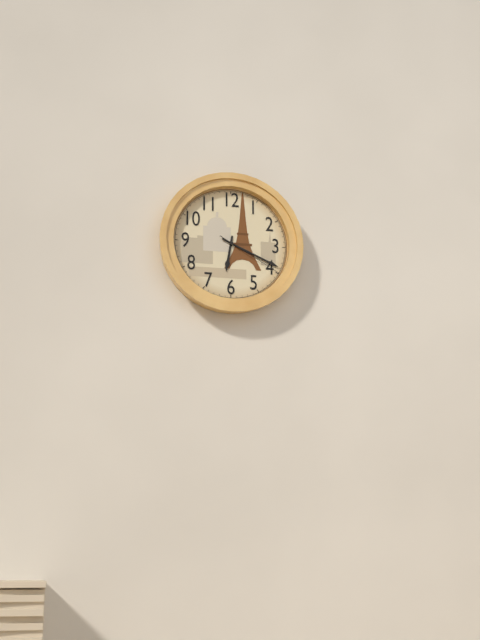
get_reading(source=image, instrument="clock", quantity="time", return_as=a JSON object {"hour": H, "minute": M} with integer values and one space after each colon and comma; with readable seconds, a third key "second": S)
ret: {"hour": 6, "minute": 19, "second": 20}
